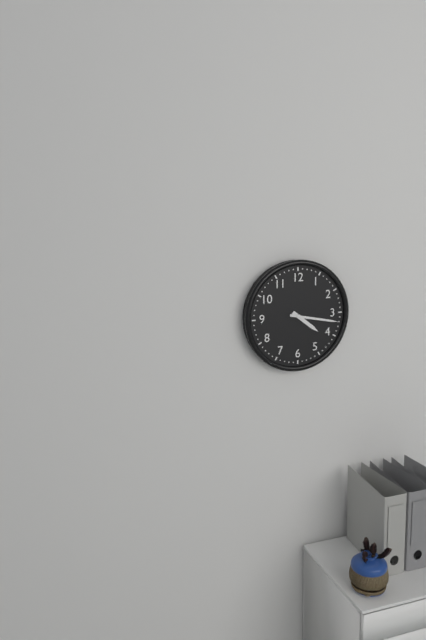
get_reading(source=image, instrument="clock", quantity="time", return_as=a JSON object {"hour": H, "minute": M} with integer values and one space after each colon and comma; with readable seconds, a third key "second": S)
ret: {"hour": 4, "minute": 17}
